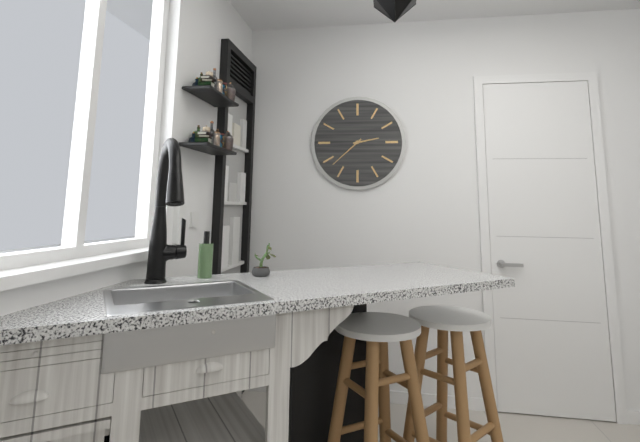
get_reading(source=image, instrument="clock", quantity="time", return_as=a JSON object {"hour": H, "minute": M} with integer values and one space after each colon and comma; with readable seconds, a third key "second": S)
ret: {"hour": 2, "minute": 38}
